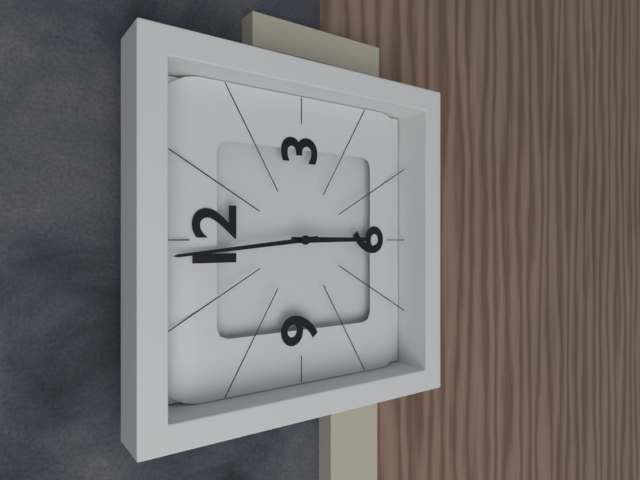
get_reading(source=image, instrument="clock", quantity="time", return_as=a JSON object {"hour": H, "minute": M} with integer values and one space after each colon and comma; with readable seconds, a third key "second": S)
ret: {"hour": 5, "minute": 59}
